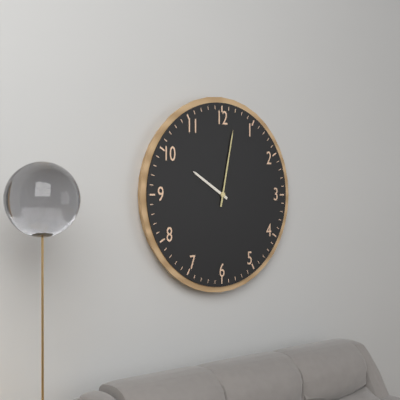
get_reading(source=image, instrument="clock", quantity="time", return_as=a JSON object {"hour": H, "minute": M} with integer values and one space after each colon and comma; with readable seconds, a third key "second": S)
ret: {"hour": 10, "minute": 2}
